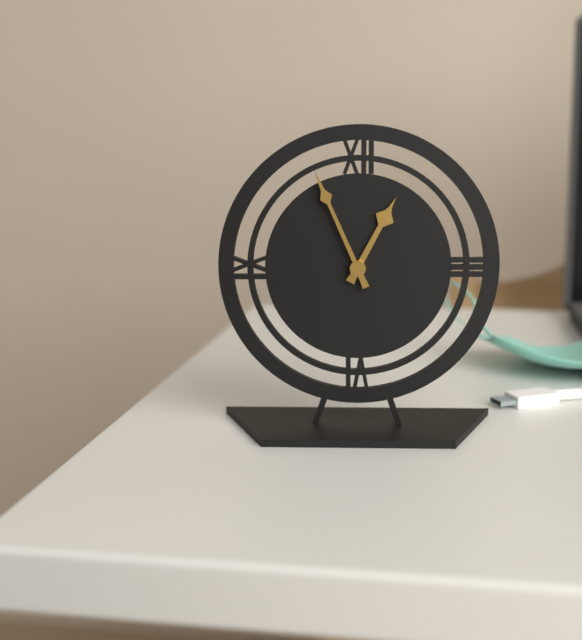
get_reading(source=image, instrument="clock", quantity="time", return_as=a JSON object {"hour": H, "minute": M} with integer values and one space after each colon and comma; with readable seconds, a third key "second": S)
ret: {"hour": 12, "minute": 56}
